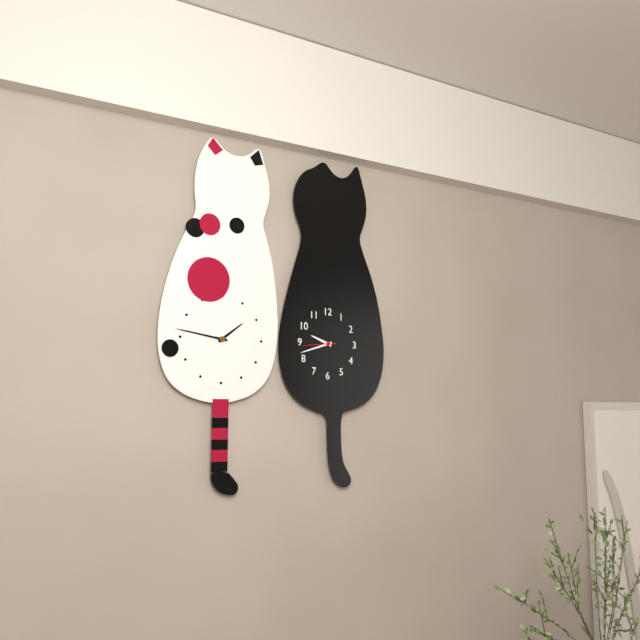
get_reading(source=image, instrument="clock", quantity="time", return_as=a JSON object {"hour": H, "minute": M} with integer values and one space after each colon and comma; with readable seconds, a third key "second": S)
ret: {"hour": 9, "minute": 42}
